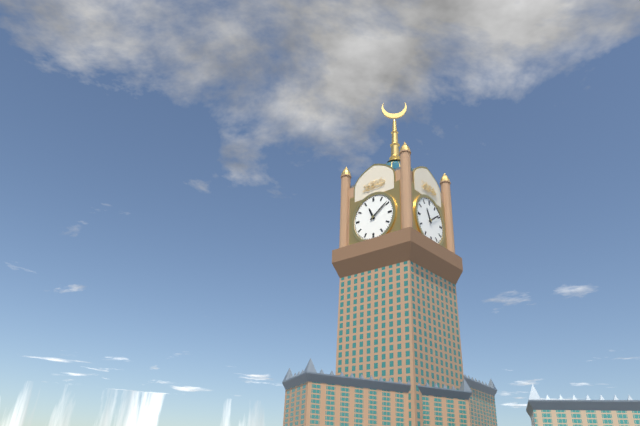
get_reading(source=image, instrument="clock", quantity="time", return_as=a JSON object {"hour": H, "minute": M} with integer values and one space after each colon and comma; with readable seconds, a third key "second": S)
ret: {"hour": 11, "minute": 9}
